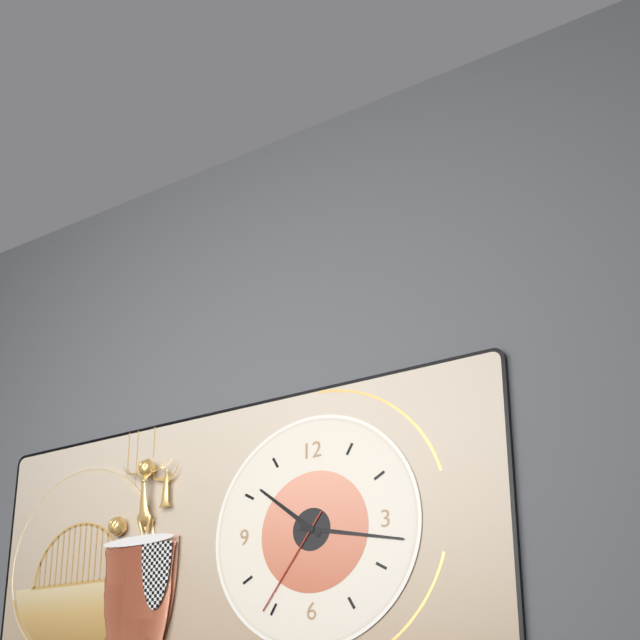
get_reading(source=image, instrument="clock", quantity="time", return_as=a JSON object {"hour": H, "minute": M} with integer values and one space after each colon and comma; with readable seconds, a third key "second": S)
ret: {"hour": 10, "minute": 17, "second": 36}
